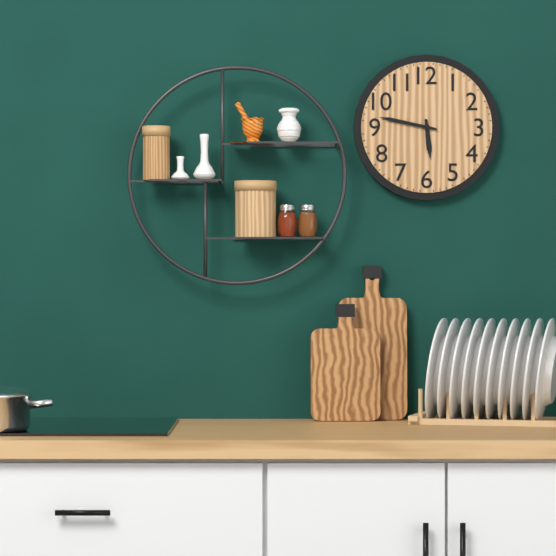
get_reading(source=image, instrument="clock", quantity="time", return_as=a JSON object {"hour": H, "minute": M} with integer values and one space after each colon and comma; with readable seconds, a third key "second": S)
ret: {"hour": 5, "minute": 47}
